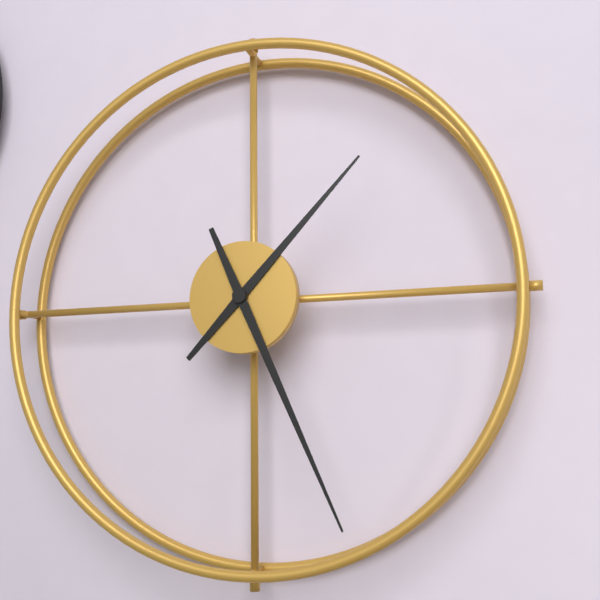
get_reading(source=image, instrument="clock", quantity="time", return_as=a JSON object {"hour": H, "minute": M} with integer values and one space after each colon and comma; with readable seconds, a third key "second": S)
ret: {"hour": 1, "minute": 26}
